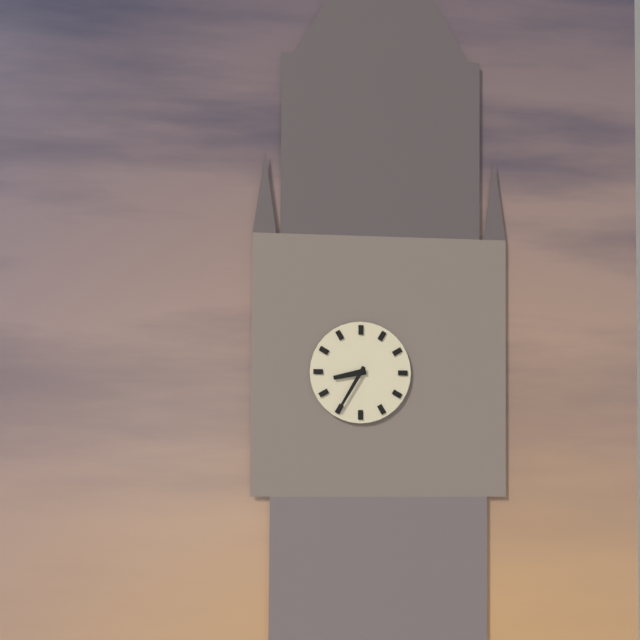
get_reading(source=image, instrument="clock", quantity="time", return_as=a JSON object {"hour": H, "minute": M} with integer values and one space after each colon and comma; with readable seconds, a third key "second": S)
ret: {"hour": 8, "minute": 35}
